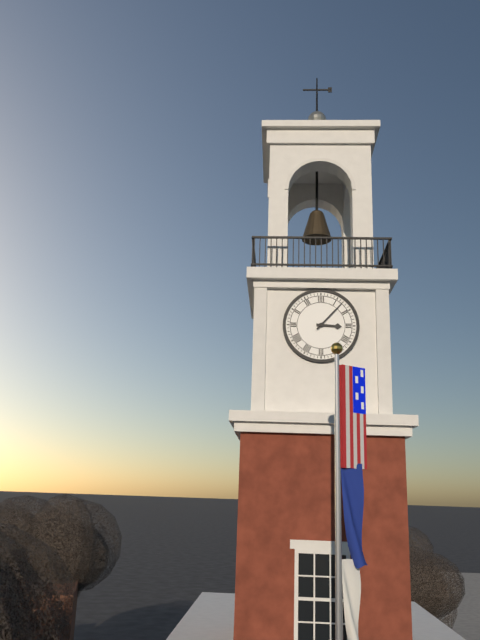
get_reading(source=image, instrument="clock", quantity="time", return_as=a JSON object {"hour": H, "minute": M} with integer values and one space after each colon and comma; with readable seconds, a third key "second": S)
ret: {"hour": 3, "minute": 7}
